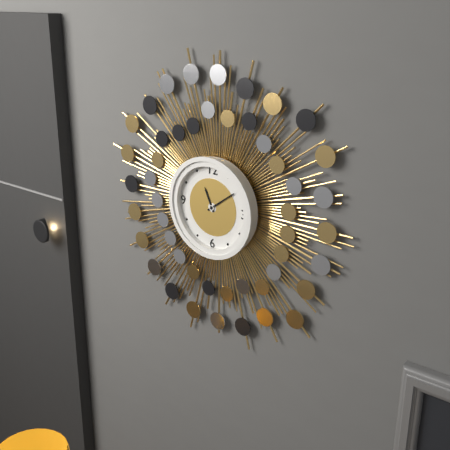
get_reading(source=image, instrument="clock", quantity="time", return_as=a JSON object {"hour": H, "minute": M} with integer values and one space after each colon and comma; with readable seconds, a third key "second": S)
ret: {"hour": 11, "minute": 9}
